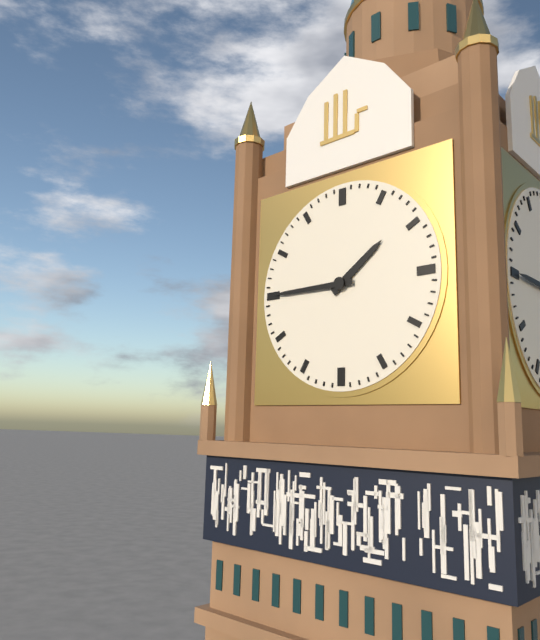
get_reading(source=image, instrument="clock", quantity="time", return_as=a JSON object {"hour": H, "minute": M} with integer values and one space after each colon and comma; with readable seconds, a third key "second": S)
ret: {"hour": 1, "minute": 45}
